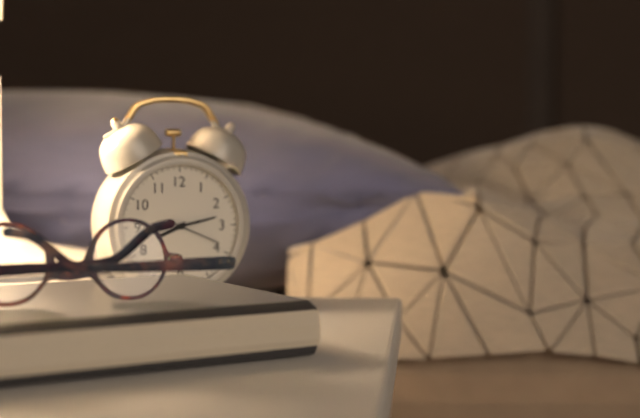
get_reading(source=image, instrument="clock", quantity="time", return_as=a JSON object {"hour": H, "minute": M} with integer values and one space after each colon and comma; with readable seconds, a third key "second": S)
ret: {"hour": 8, "minute": 13, "second": 19}
